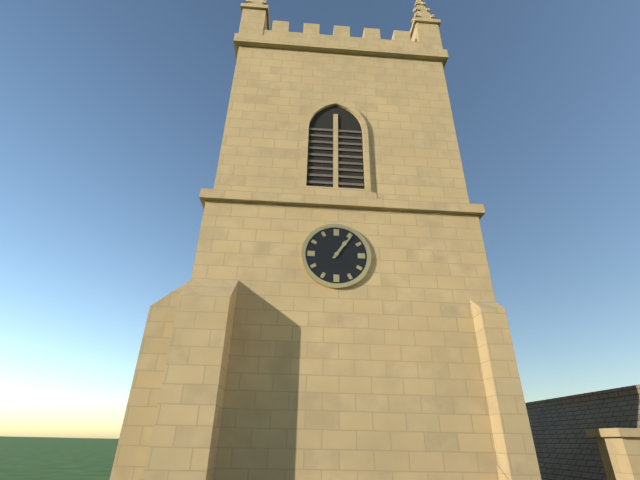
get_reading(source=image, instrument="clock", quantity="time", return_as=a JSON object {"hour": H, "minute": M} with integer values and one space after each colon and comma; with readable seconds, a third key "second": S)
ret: {"hour": 1, "minute": 6}
